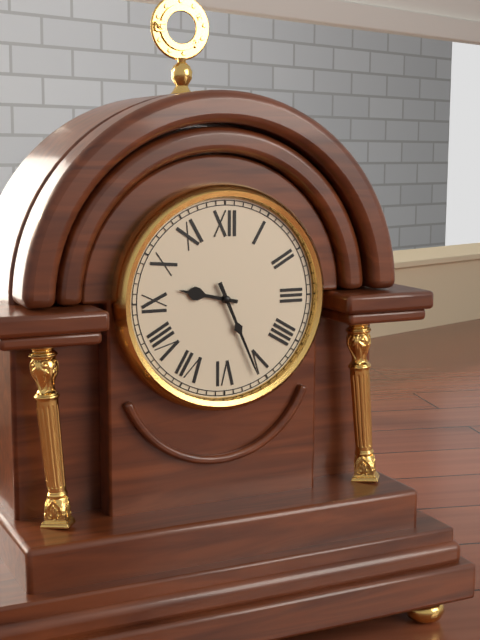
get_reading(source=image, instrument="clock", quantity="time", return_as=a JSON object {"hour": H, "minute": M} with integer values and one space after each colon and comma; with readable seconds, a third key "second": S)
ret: {"hour": 9, "minute": 26}
